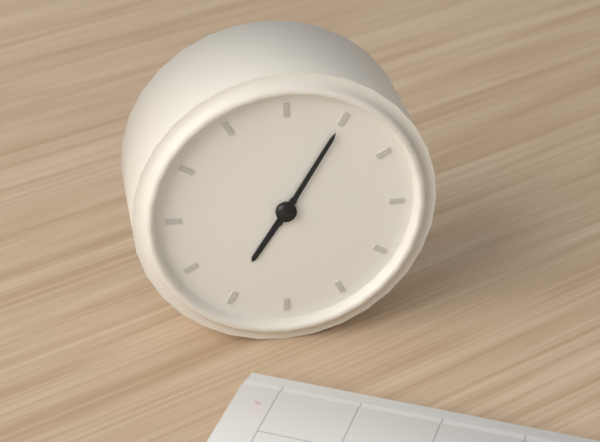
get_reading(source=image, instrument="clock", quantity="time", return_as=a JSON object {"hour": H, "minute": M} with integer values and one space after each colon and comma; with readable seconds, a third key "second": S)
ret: {"hour": 7, "minute": 5}
